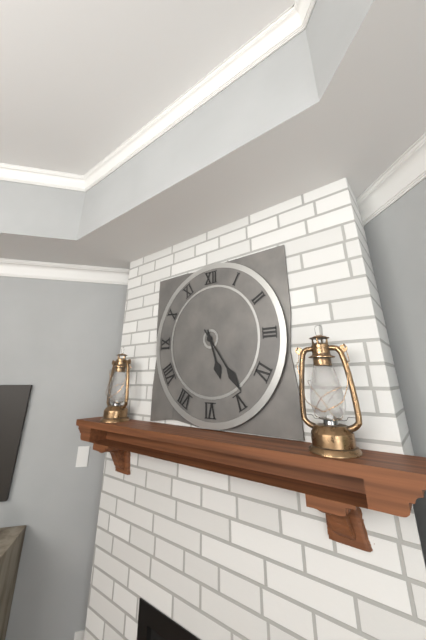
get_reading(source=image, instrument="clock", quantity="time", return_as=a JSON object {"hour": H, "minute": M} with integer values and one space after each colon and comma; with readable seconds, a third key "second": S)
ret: {"hour": 5, "minute": 24}
